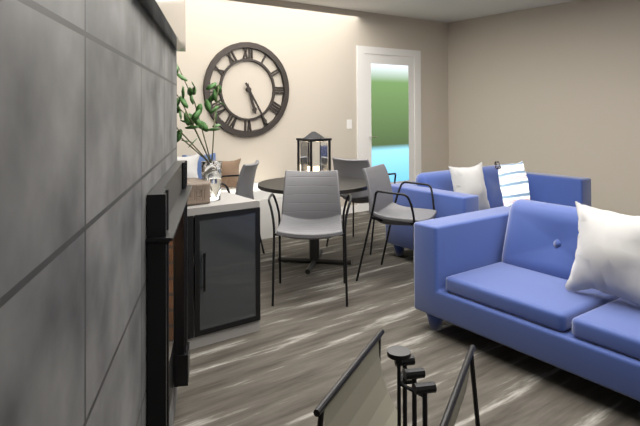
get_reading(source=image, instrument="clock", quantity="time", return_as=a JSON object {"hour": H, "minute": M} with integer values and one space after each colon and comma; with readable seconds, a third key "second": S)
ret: {"hour": 5, "minute": 25}
